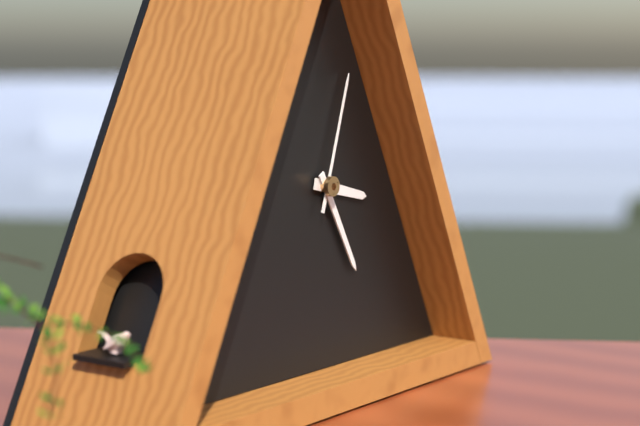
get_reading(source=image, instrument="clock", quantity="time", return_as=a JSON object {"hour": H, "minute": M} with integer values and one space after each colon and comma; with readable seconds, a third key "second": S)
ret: {"hour": 3, "minute": 25, "second": 3}
